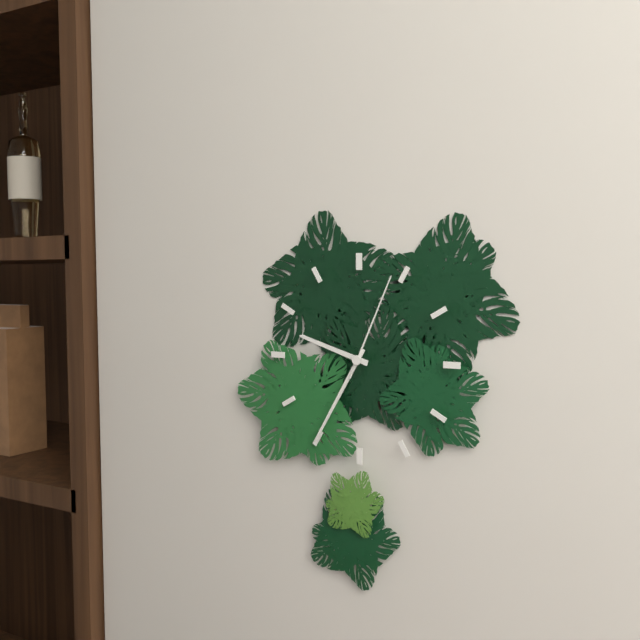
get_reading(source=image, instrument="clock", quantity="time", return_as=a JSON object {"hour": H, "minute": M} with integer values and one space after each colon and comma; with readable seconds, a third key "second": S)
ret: {"hour": 9, "minute": 35, "second": 4}
